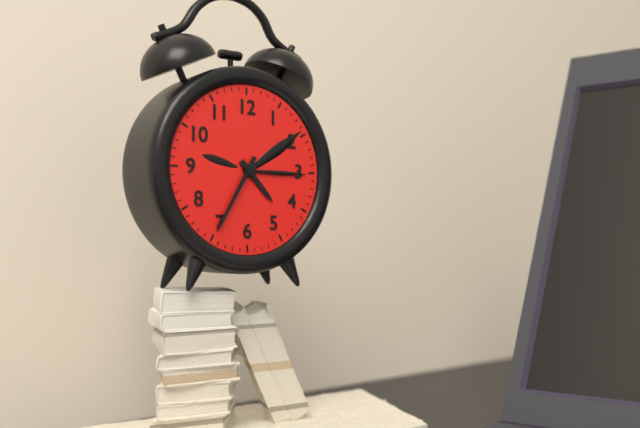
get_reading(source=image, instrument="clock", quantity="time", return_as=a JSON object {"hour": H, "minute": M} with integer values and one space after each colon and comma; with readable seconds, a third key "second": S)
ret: {"hour": 4, "minute": 35}
